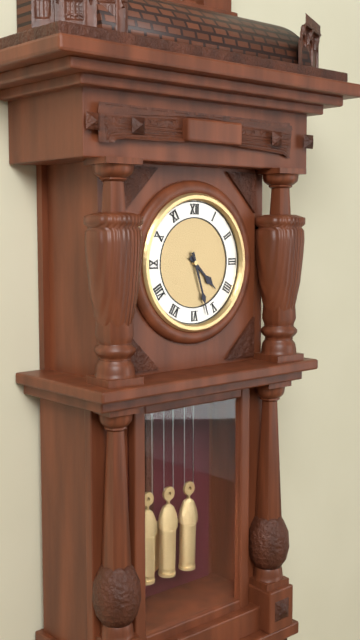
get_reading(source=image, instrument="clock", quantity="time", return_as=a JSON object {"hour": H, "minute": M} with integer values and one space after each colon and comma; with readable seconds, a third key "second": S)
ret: {"hour": 4, "minute": 27}
